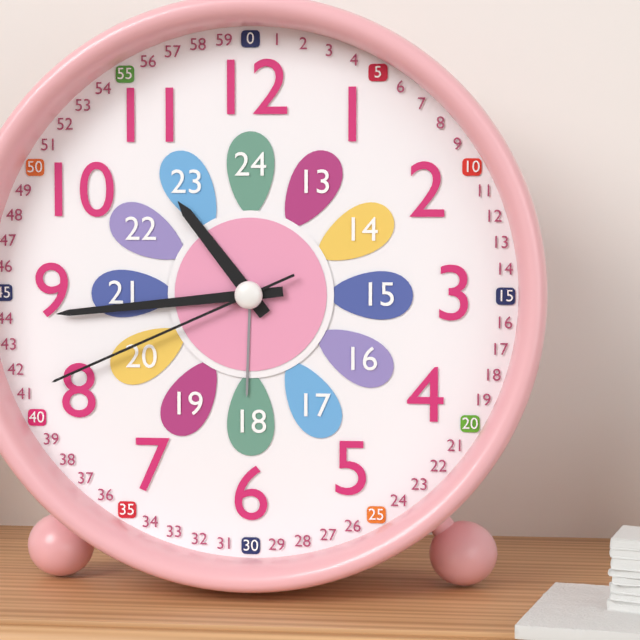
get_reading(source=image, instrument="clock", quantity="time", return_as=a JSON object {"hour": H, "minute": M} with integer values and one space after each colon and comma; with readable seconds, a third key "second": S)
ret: {"hour": 10, "minute": 44, "second": 41}
